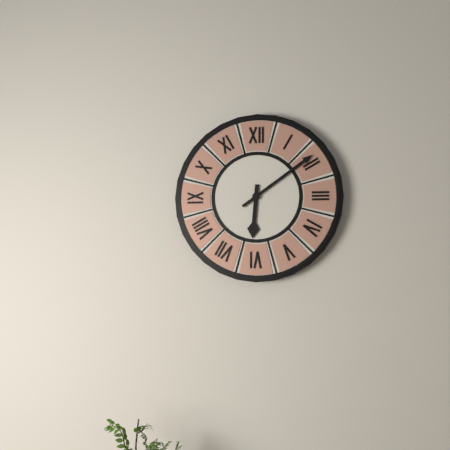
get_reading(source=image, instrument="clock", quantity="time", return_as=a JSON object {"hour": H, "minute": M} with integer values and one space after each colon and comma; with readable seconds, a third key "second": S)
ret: {"hour": 6, "minute": 9}
